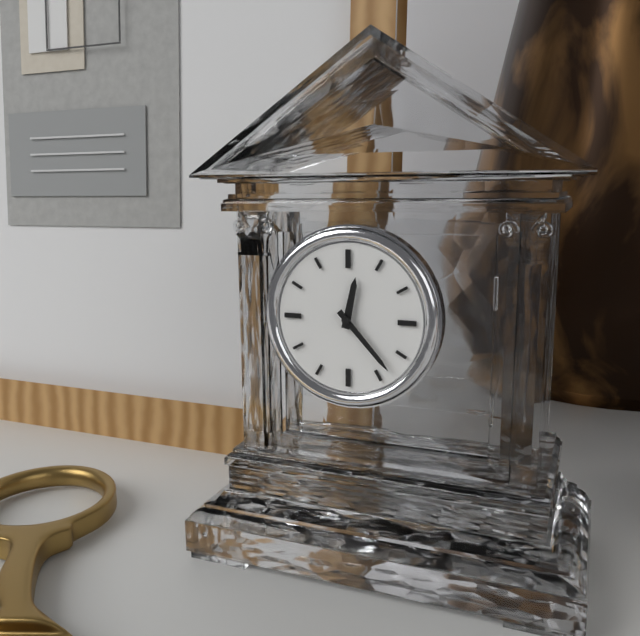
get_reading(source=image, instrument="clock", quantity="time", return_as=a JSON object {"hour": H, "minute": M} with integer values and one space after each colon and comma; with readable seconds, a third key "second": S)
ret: {"hour": 12, "minute": 23}
